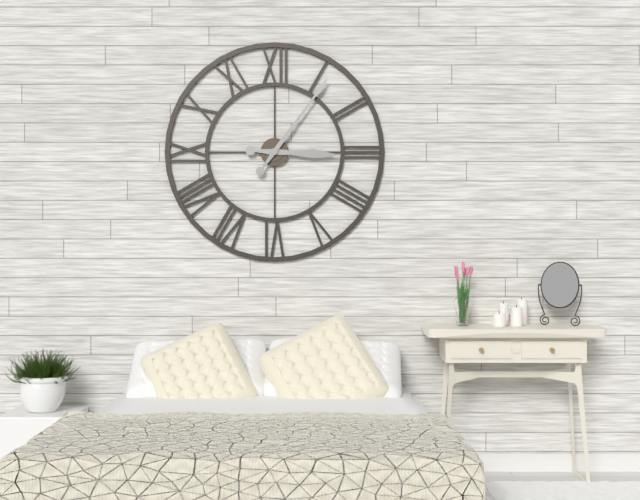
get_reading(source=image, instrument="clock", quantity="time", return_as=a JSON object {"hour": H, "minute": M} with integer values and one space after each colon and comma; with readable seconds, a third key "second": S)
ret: {"hour": 3, "minute": 6}
